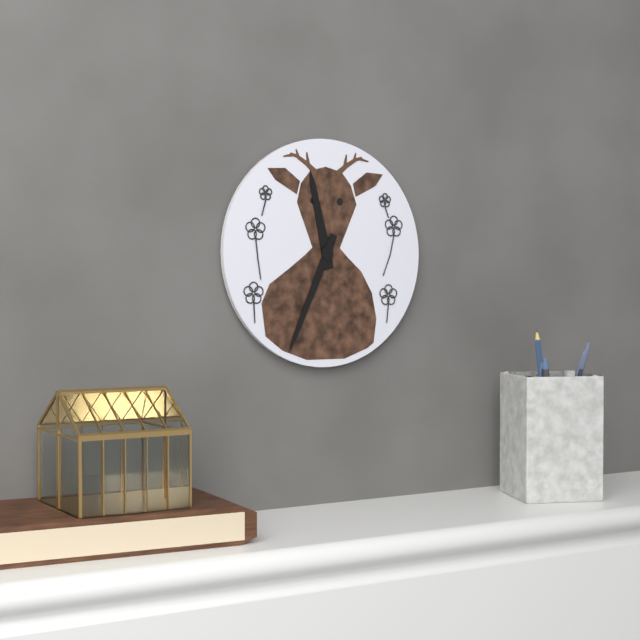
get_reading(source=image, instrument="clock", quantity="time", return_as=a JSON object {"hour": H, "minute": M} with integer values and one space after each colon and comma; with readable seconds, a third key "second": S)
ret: {"hour": 11, "minute": 34}
